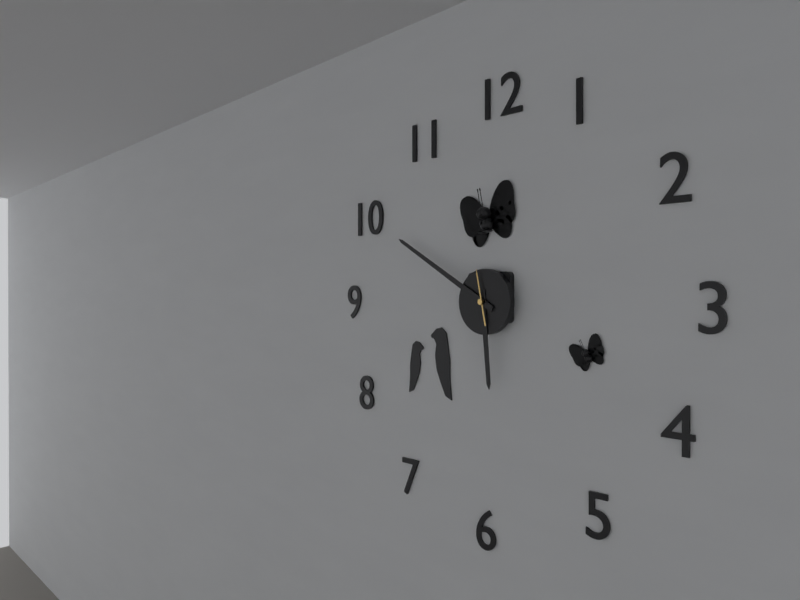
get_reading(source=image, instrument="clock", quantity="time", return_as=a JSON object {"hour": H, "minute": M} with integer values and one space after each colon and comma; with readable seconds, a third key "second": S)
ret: {"hour": 5, "minute": 50}
